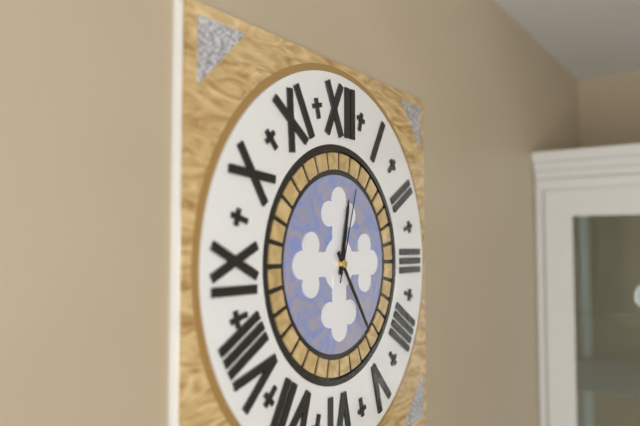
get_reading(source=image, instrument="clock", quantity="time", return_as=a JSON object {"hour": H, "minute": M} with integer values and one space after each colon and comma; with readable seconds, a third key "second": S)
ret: {"hour": 12, "minute": 24, "second": 3}
